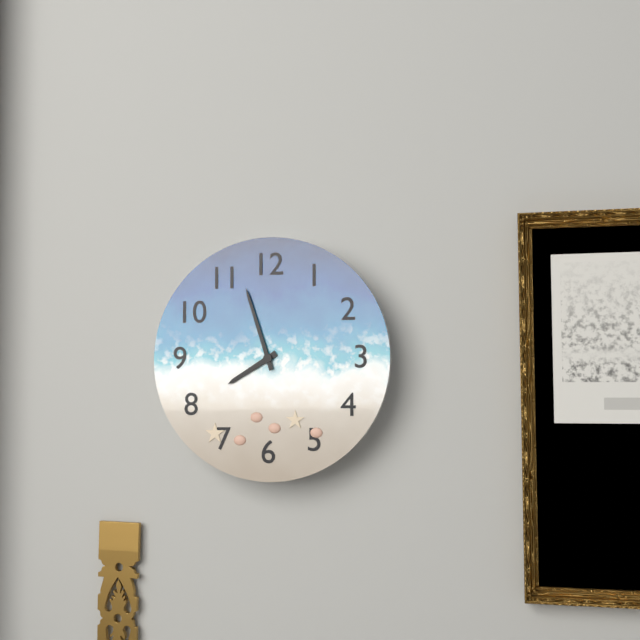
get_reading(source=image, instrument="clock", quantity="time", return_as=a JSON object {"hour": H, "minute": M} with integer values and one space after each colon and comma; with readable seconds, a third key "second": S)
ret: {"hour": 7, "minute": 57}
